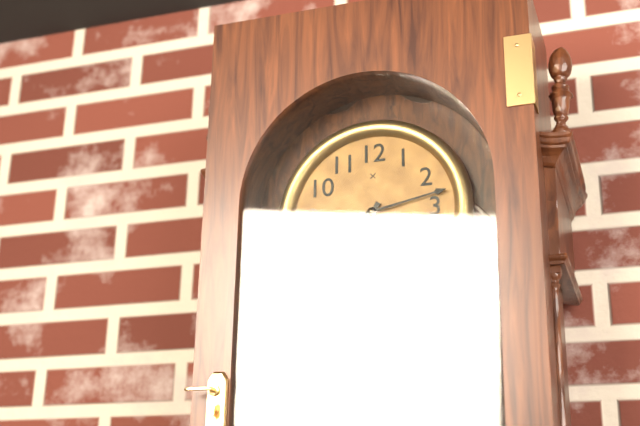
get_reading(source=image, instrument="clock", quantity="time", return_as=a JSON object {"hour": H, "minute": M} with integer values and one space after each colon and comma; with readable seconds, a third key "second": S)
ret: {"hour": 7, "minute": 13}
